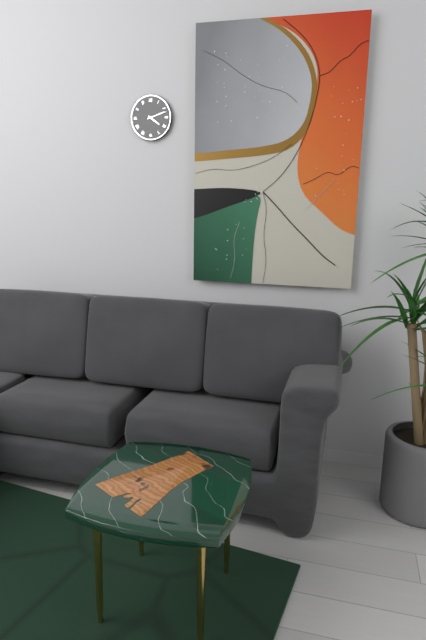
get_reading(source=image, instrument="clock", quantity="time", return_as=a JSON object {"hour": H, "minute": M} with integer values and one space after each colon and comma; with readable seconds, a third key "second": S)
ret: {"hour": 4, "minute": 12}
